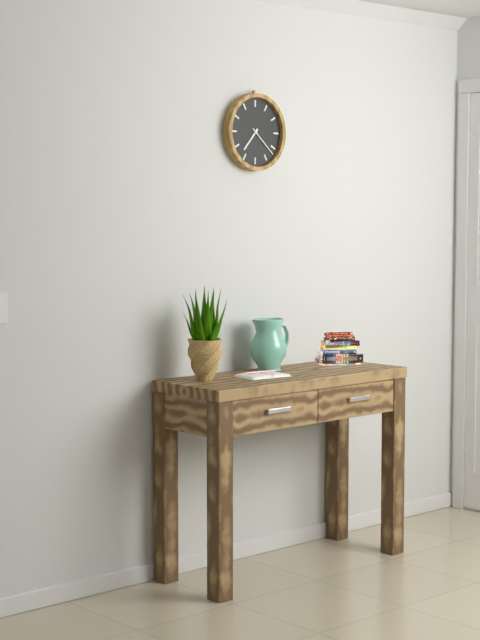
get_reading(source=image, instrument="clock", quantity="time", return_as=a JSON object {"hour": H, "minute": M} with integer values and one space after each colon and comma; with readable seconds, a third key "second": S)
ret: {"hour": 7, "minute": 22}
